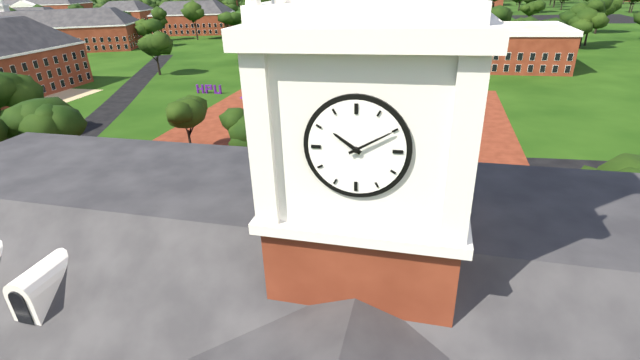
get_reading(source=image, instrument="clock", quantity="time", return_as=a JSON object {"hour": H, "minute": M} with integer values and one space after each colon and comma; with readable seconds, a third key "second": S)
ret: {"hour": 10, "minute": 10}
